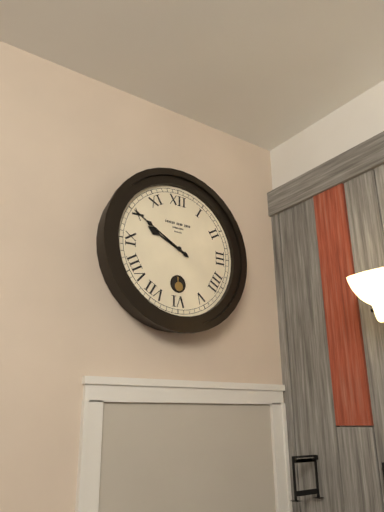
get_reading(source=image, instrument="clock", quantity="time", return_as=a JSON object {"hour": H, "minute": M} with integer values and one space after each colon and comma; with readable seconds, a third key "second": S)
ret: {"hour": 9, "minute": 50}
